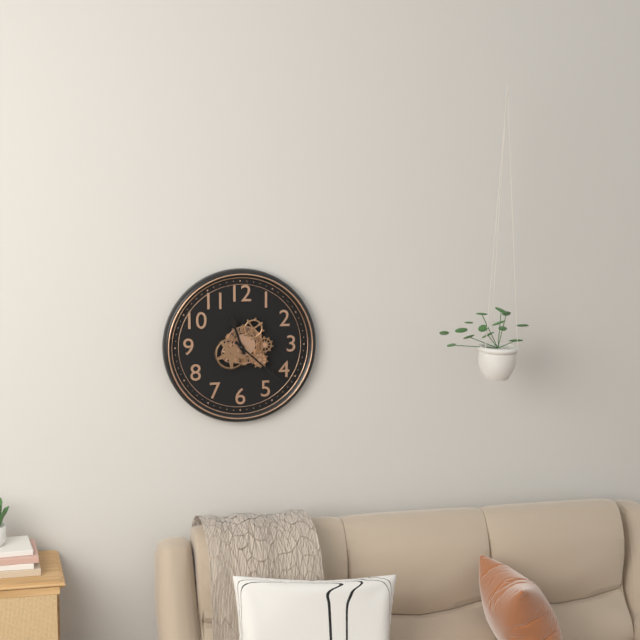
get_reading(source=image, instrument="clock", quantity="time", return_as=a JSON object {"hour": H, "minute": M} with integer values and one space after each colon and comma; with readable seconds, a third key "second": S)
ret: {"hour": 11, "minute": 22}
